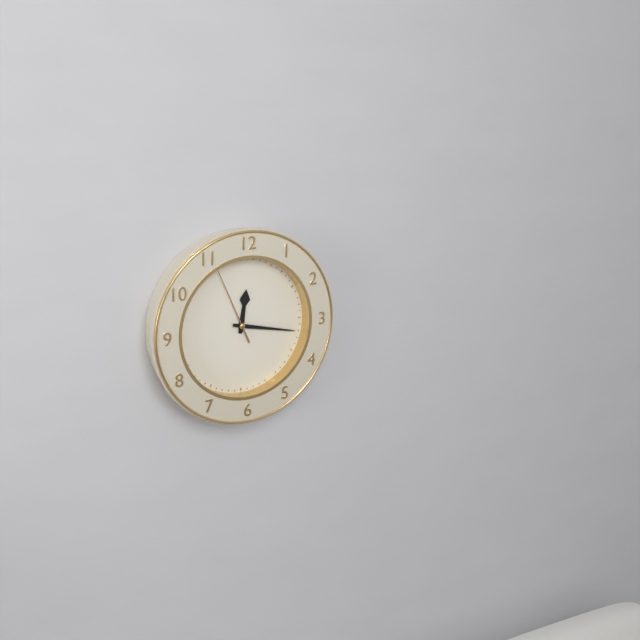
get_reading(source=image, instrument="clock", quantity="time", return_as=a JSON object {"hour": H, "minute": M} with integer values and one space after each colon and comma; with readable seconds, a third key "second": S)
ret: {"hour": 12, "minute": 17, "second": 56}
